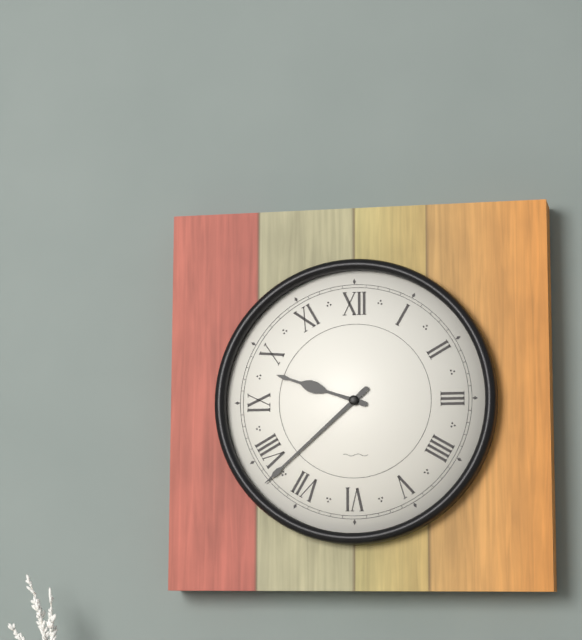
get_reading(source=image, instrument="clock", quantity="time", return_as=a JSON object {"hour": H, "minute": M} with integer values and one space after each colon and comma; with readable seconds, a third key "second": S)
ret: {"hour": 9, "minute": 38}
